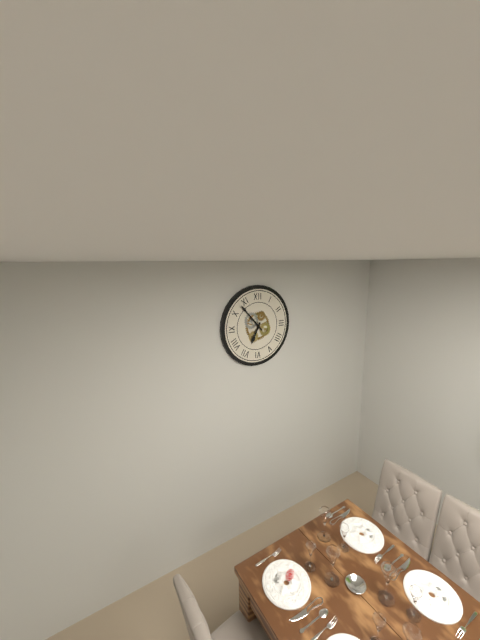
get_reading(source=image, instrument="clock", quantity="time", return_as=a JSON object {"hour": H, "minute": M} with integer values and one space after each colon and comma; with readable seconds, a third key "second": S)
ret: {"hour": 6, "minute": 53}
